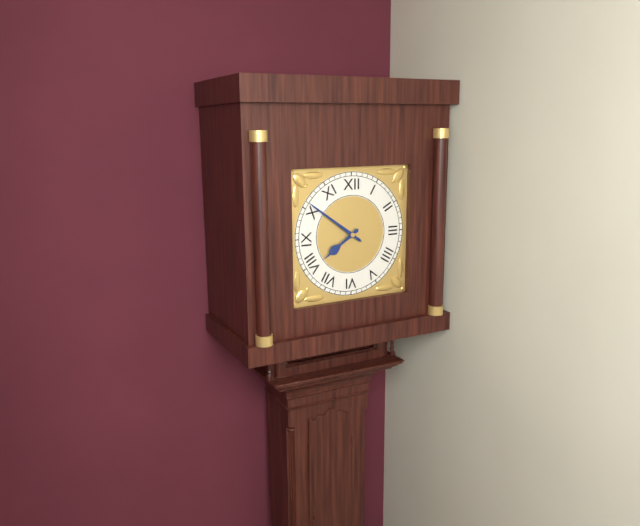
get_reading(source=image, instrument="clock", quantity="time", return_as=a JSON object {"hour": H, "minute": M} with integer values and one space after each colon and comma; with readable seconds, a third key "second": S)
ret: {"hour": 7, "minute": 51}
